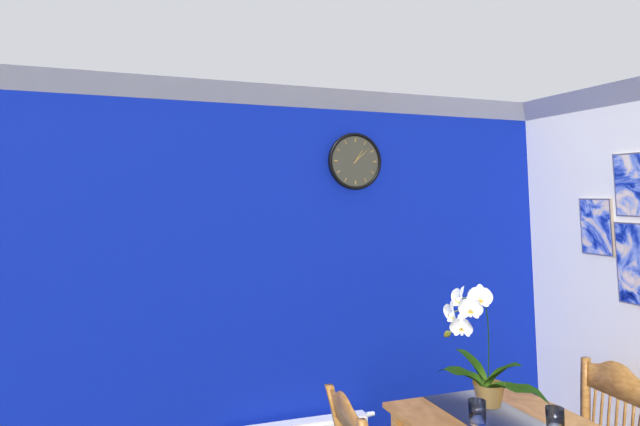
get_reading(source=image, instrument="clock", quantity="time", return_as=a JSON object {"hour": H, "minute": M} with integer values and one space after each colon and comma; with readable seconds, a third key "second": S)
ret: {"hour": 1, "minute": 8}
